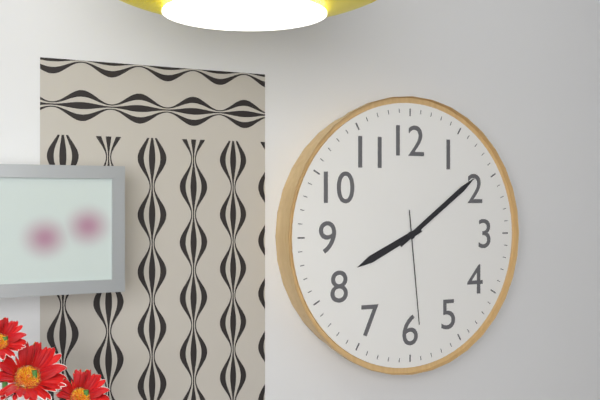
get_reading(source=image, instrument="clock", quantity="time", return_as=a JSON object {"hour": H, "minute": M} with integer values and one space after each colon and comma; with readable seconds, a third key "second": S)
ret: {"hour": 8, "minute": 9, "second": 29}
